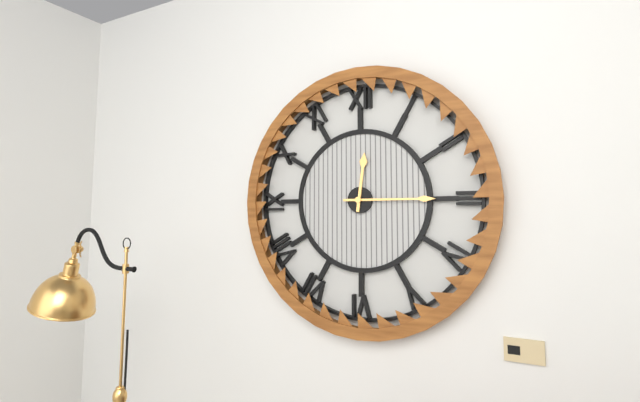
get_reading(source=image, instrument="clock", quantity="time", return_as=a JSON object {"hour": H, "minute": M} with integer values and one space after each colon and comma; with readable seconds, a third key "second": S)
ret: {"hour": 12, "minute": 15}
